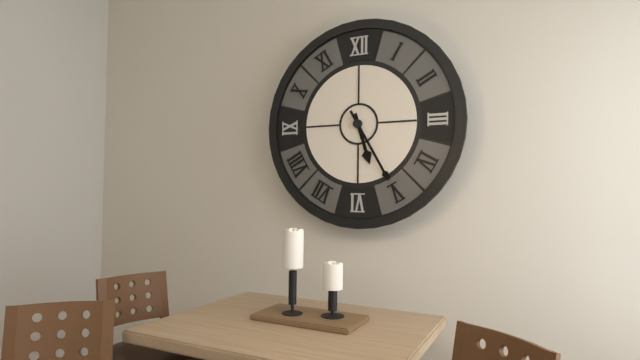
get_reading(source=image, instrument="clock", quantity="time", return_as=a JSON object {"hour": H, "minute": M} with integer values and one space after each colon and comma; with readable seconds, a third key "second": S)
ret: {"hour": 5, "minute": 25}
